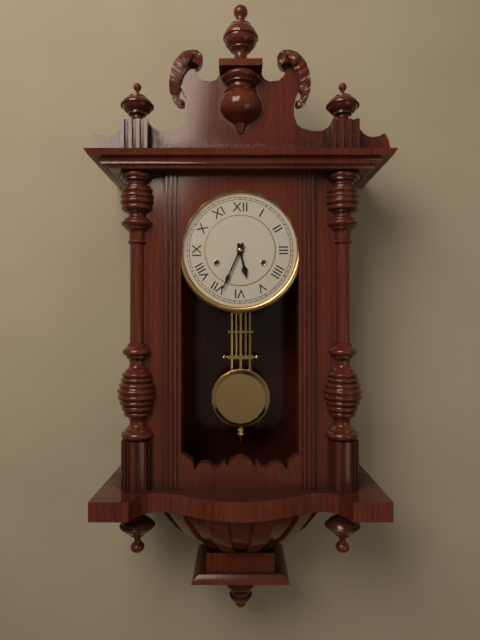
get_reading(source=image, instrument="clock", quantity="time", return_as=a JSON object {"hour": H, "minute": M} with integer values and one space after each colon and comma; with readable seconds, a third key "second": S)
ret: {"hour": 5, "minute": 34}
